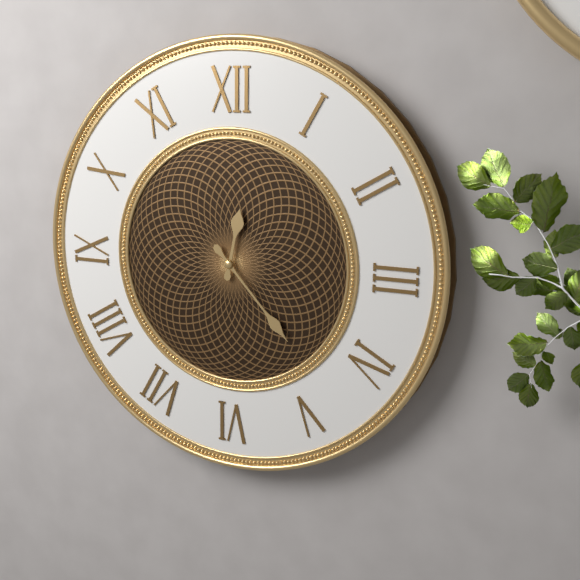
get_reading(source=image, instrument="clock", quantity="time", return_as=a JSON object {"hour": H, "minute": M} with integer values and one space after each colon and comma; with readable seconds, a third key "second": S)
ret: {"hour": 12, "minute": 23}
